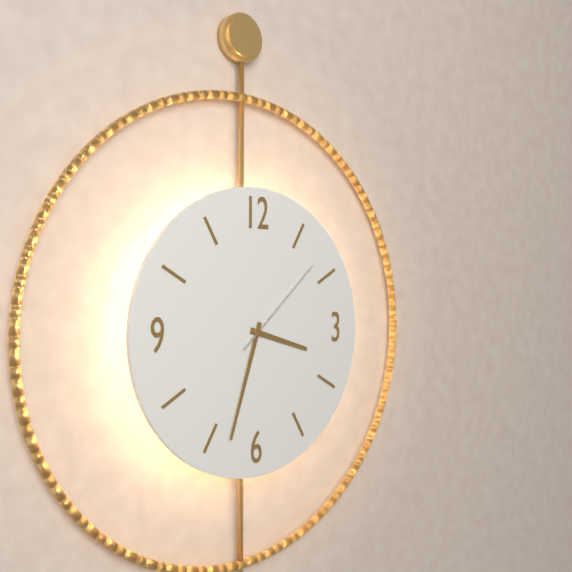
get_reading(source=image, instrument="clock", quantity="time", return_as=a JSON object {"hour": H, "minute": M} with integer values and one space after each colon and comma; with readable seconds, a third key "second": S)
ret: {"hour": 3, "minute": 33, "second": 8}
